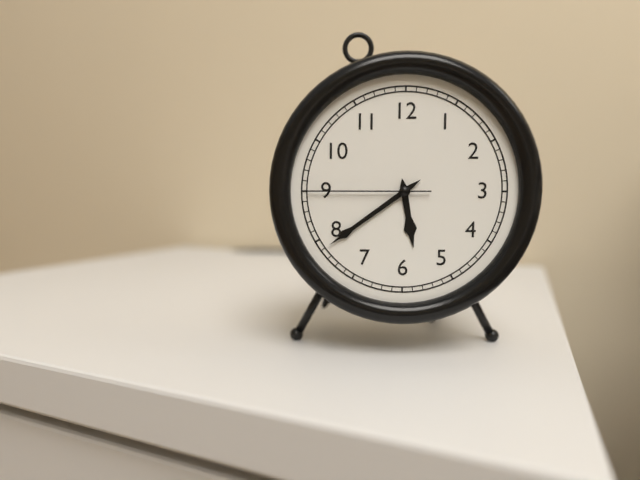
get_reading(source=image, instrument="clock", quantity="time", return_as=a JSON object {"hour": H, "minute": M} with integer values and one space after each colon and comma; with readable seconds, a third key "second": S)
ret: {"hour": 5, "minute": 39, "second": 45}
